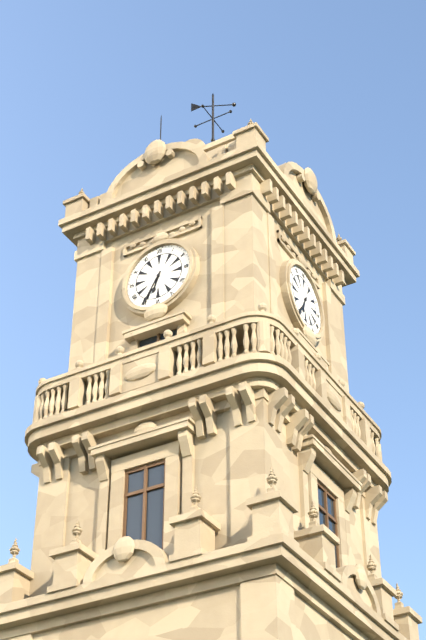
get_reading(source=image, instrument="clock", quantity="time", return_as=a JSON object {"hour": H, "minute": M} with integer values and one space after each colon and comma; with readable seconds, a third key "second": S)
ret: {"hour": 6, "minute": 35}
